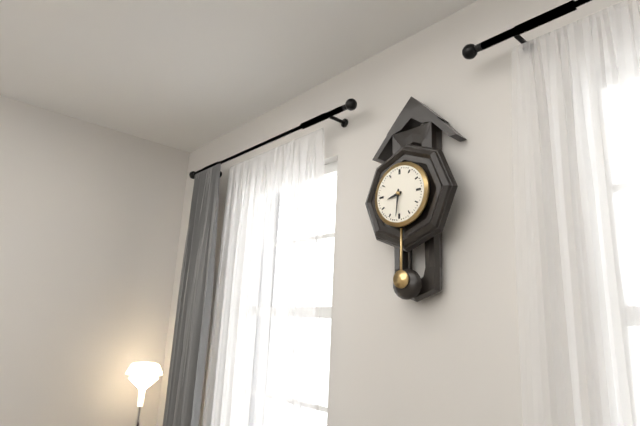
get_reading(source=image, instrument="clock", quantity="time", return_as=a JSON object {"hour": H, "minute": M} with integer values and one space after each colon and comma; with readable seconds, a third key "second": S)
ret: {"hour": 8, "minute": 31}
